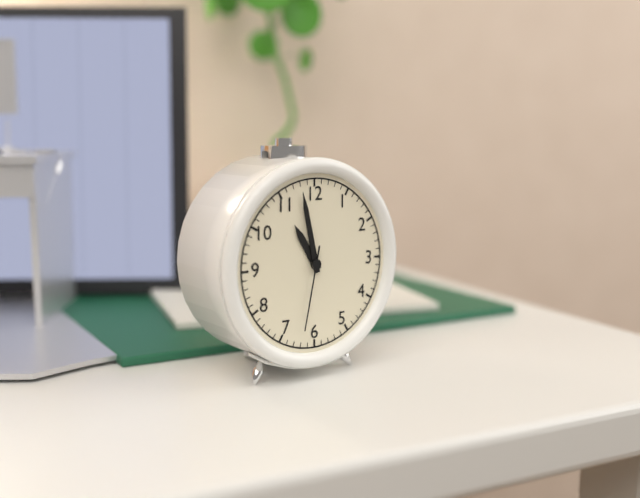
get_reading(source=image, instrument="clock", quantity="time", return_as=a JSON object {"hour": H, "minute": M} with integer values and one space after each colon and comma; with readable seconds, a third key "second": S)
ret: {"hour": 10, "minute": 58, "second": 32}
